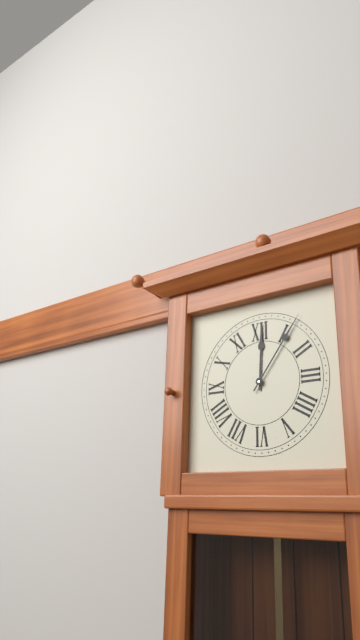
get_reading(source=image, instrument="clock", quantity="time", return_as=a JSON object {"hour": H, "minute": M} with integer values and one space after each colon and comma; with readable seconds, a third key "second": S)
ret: {"hour": 12, "minute": 6}
